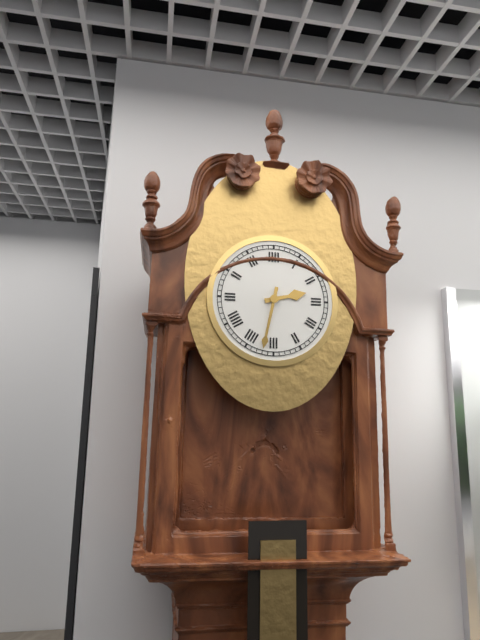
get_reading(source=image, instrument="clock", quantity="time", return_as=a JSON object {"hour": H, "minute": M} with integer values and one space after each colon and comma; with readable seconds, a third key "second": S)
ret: {"hour": 2, "minute": 32}
